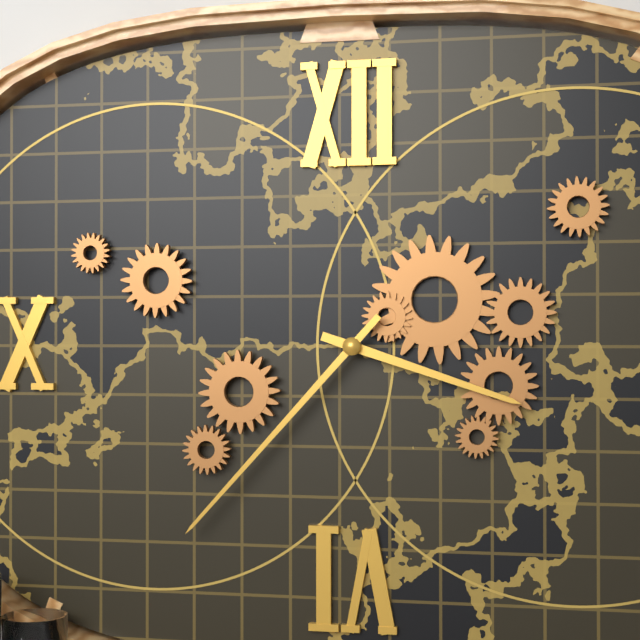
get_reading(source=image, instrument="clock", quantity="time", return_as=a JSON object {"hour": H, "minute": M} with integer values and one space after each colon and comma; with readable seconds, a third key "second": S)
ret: {"hour": 3, "minute": 37}
